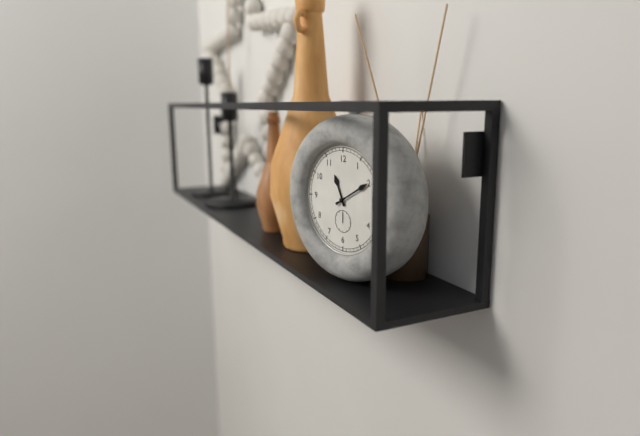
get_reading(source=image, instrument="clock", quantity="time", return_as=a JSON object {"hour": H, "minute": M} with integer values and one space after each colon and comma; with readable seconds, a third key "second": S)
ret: {"hour": 11, "minute": 10}
